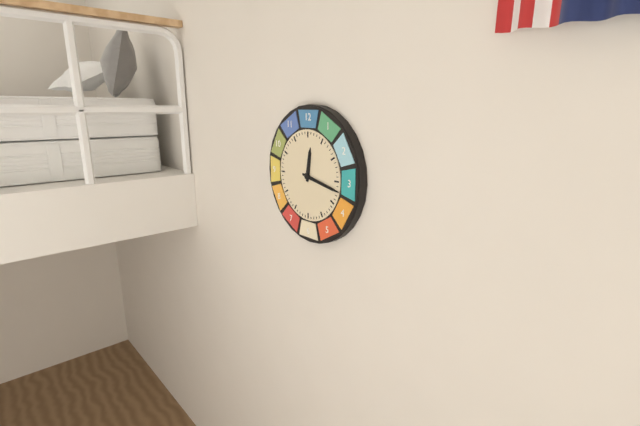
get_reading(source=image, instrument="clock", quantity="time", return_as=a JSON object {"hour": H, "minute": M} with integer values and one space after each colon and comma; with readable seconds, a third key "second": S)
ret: {"hour": 12, "minute": 17}
